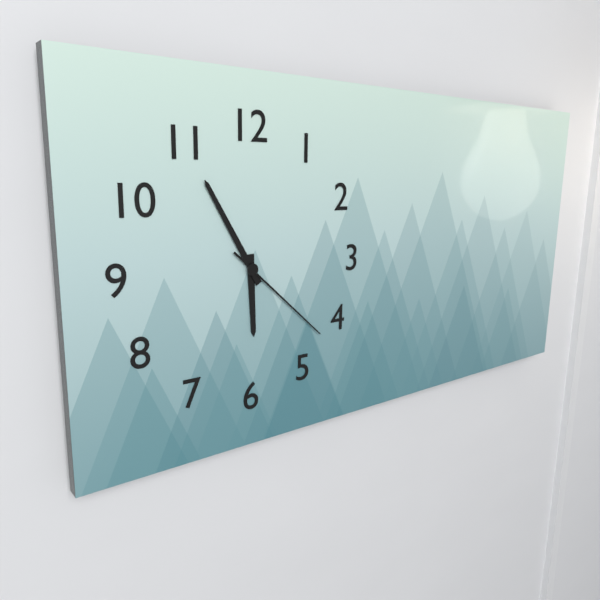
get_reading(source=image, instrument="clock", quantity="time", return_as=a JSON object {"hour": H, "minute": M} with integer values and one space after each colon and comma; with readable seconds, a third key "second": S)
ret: {"hour": 5, "minute": 55, "second": 22}
